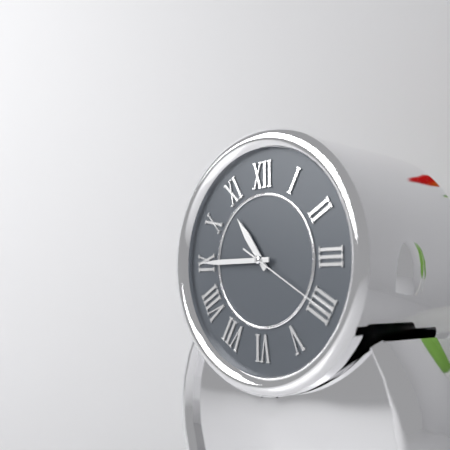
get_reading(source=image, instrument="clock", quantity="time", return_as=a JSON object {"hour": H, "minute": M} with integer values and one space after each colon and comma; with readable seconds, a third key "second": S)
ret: {"hour": 10, "minute": 45, "second": 20}
